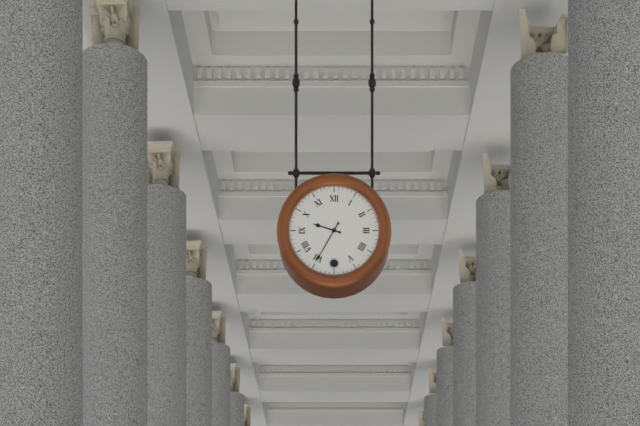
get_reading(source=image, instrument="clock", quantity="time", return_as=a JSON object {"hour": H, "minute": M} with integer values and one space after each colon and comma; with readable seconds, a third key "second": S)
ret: {"hour": 9, "minute": 35}
